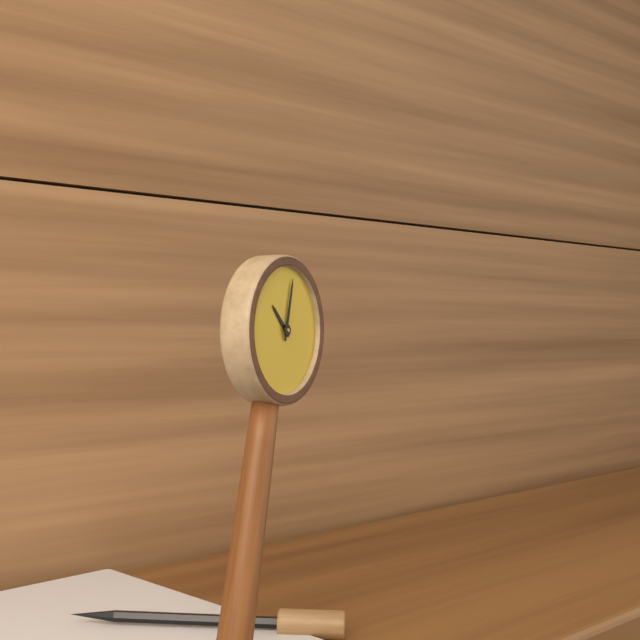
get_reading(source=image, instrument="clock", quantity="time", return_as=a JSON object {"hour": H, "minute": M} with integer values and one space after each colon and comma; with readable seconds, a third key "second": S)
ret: {"hour": 10, "minute": 0}
